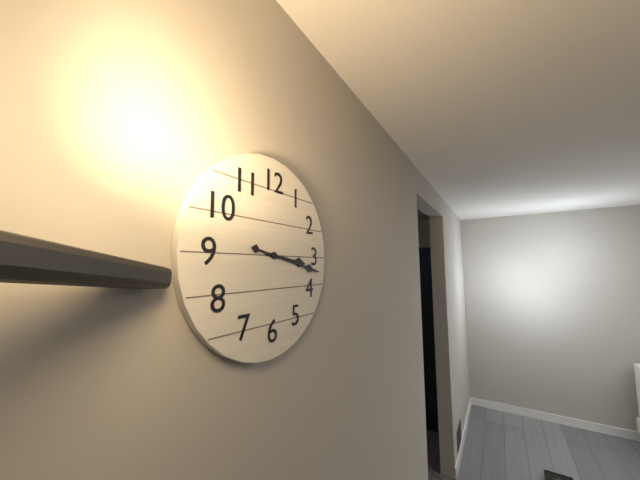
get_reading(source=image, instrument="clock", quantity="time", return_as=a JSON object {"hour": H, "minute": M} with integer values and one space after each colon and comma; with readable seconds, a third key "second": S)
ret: {"hour": 3, "minute": 17}
